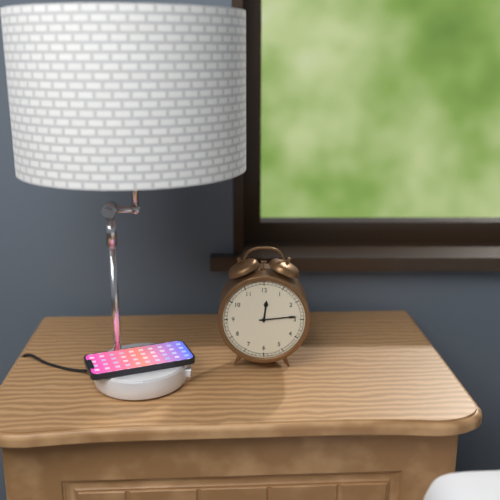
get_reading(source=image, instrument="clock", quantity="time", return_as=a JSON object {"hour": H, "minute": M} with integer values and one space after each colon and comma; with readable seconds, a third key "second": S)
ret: {"hour": 12, "minute": 14}
